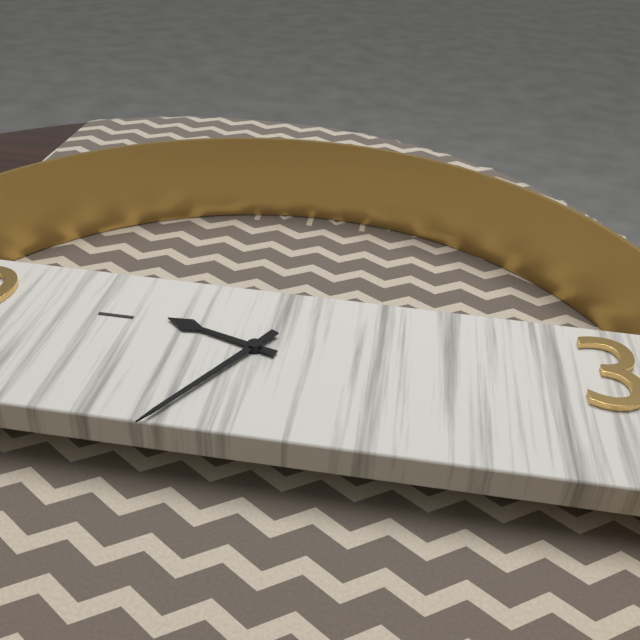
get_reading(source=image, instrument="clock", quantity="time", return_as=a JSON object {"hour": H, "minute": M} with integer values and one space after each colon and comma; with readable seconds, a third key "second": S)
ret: {"hour": 9, "minute": 35}
